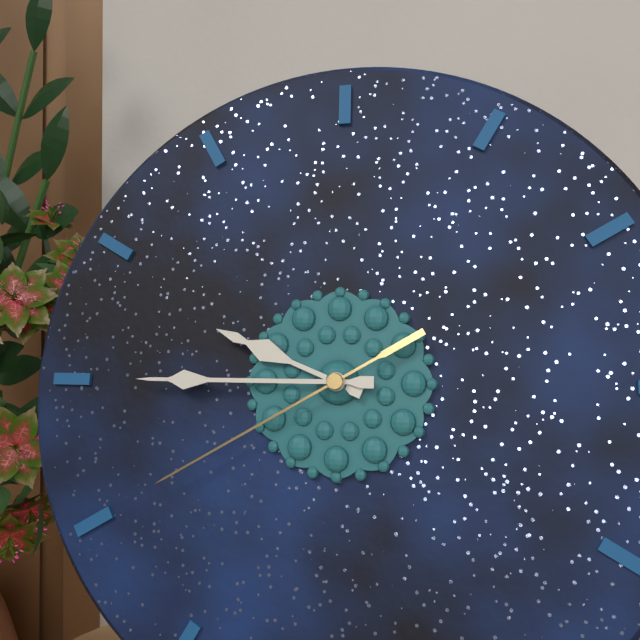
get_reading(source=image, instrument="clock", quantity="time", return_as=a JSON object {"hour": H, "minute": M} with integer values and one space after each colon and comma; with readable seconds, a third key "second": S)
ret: {"hour": 9, "minute": 45, "second": 40}
